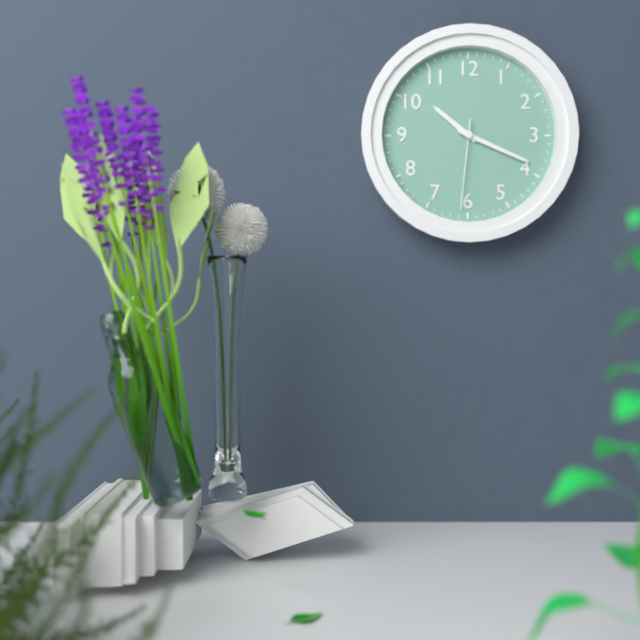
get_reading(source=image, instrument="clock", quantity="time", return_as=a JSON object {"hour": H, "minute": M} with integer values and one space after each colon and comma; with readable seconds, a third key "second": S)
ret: {"hour": 10, "minute": 19, "second": 31}
